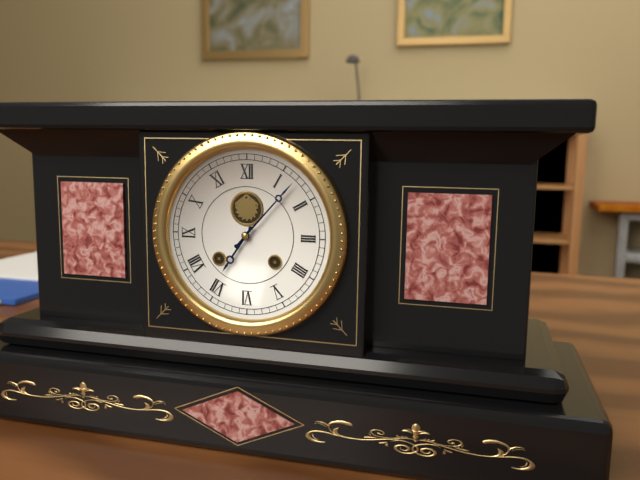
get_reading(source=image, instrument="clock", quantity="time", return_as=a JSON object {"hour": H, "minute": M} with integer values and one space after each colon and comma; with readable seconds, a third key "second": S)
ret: {"hour": 7, "minute": 7}
